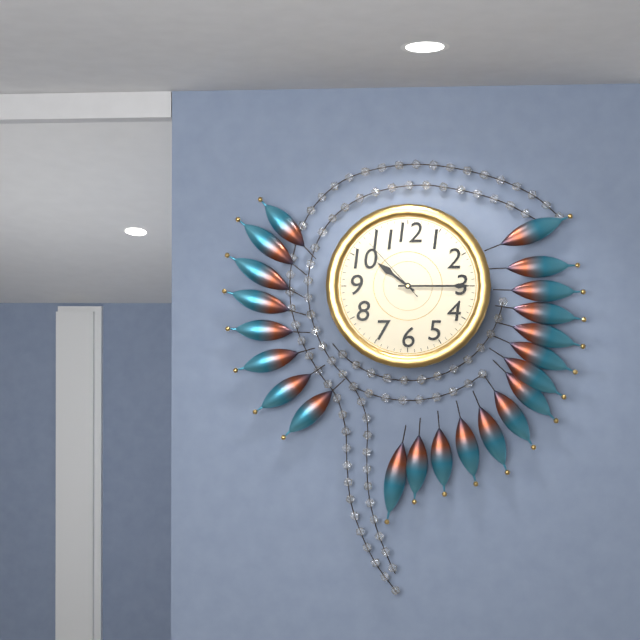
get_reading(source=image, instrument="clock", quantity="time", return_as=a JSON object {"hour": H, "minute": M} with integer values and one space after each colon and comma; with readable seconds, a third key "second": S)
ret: {"hour": 10, "minute": 15, "second": 53}
